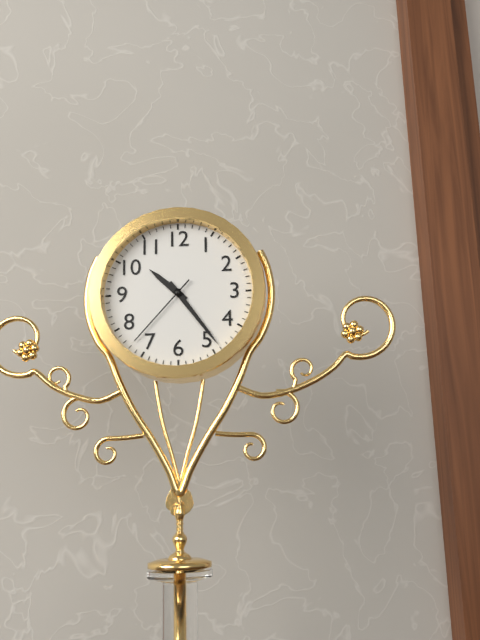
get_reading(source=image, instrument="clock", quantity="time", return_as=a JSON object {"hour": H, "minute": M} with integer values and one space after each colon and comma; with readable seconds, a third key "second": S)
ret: {"hour": 10, "minute": 24, "second": 37}
